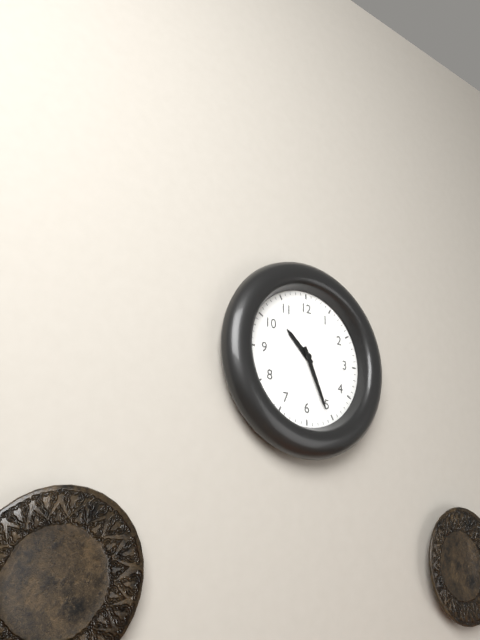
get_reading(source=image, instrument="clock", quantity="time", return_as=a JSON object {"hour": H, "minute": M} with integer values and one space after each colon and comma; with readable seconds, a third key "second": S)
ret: {"hour": 10, "minute": 26}
